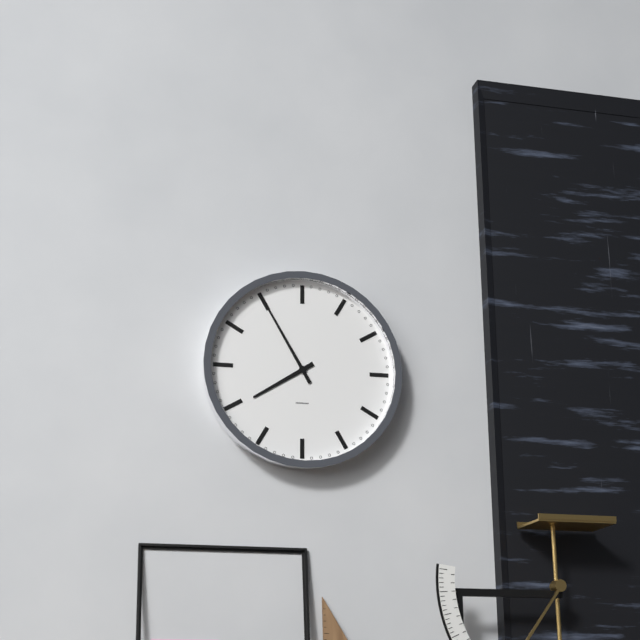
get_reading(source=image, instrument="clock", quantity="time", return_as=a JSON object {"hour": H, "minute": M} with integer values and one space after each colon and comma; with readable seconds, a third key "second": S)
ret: {"hour": 7, "minute": 55}
